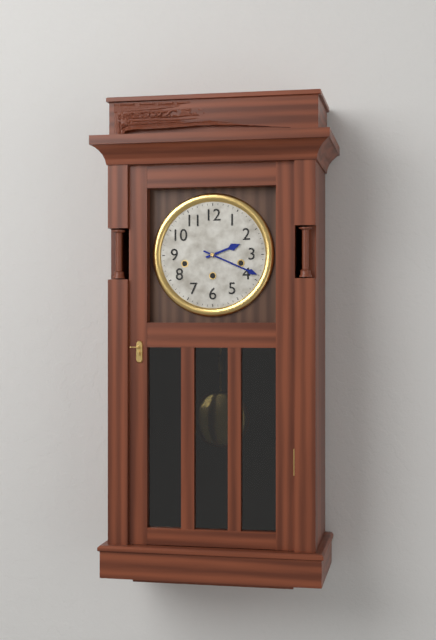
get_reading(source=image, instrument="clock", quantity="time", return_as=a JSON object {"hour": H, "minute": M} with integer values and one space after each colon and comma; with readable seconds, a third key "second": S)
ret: {"hour": 2, "minute": 19}
